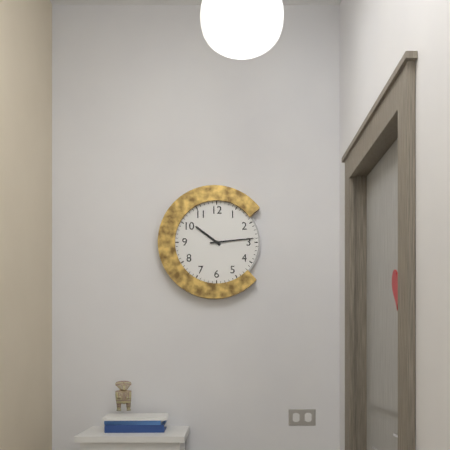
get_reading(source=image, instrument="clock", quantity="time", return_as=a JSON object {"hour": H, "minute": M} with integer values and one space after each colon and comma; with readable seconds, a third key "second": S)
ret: {"hour": 10, "minute": 14}
